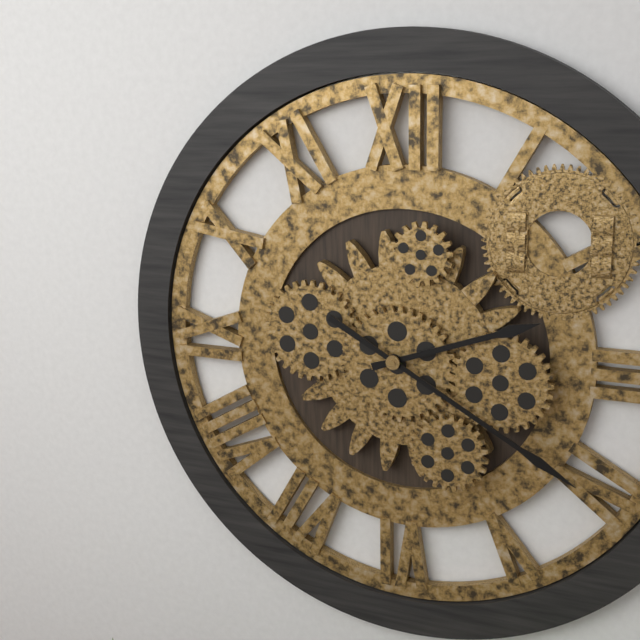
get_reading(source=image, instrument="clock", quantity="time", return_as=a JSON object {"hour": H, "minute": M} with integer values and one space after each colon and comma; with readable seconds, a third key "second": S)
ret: {"hour": 2, "minute": 20}
